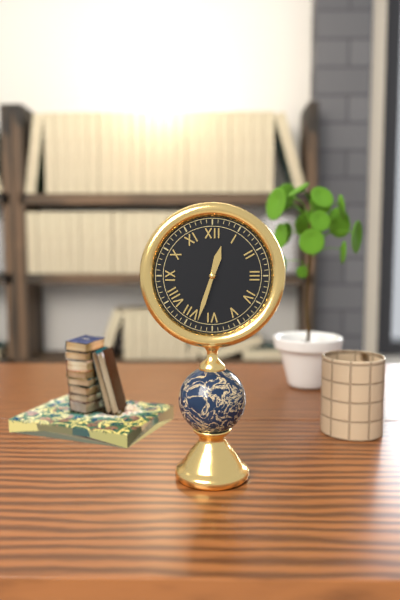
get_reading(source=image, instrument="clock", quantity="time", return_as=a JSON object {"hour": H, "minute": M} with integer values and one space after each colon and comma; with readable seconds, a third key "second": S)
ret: {"hour": 12, "minute": 33}
